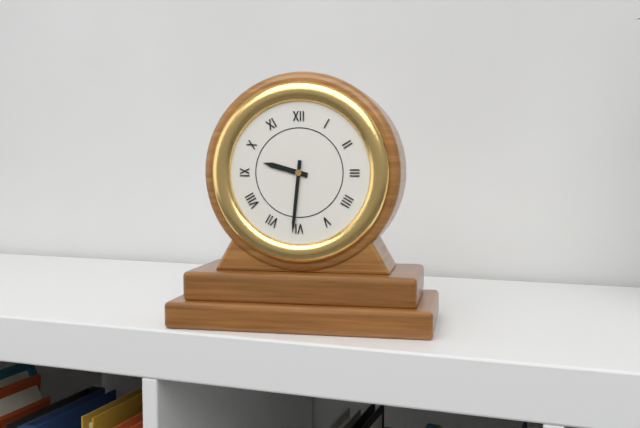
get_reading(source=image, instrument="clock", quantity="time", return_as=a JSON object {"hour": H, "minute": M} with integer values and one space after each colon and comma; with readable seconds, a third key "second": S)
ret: {"hour": 9, "minute": 31}
